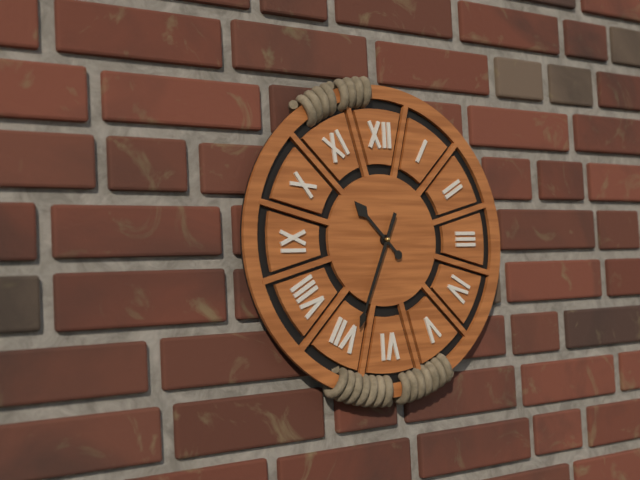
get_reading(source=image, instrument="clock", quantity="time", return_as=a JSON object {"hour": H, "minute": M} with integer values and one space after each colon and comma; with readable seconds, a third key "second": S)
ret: {"hour": 10, "minute": 34}
